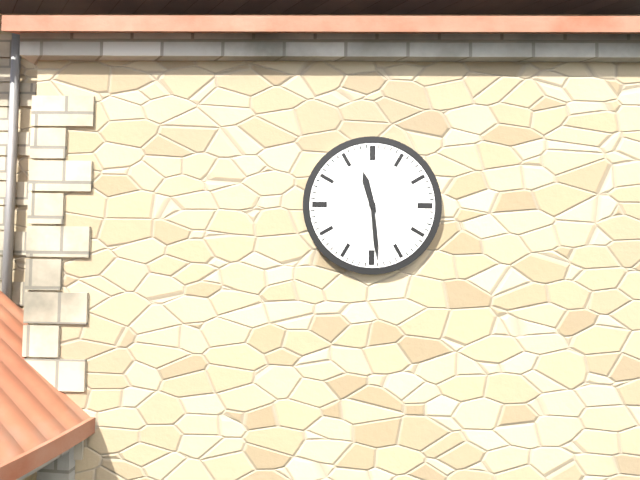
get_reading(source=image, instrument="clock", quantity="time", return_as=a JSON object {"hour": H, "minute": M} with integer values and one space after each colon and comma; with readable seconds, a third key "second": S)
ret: {"hour": 11, "minute": 29}
